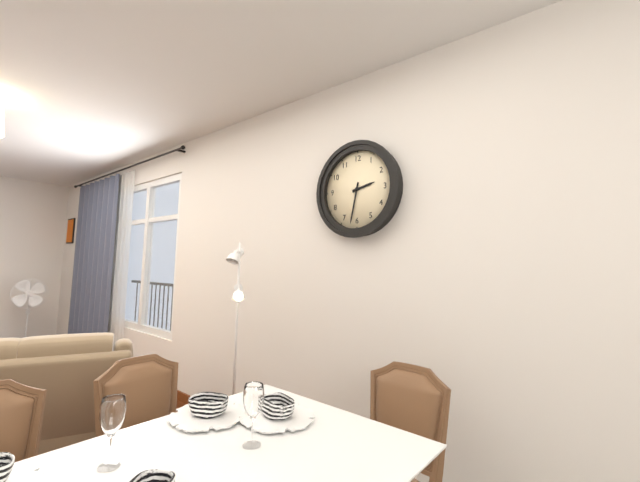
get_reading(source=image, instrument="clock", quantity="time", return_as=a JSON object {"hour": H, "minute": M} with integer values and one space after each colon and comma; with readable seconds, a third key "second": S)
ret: {"hour": 2, "minute": 32}
